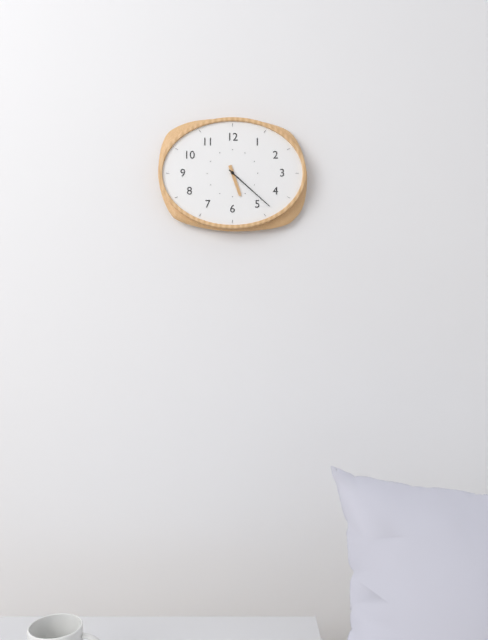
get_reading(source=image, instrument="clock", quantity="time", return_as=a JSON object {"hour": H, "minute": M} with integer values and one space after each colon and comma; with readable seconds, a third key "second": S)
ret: {"hour": 5, "minute": 22}
